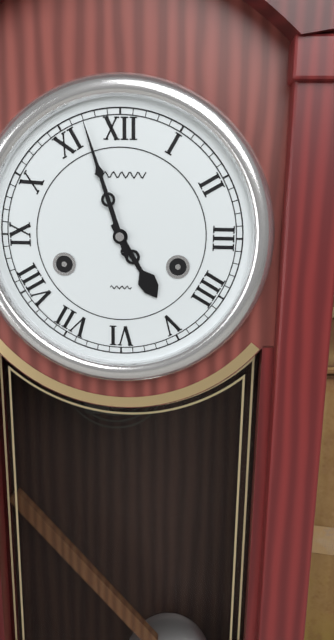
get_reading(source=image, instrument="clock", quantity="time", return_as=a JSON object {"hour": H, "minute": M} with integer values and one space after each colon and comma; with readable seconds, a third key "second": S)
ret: {"hour": 4, "minute": 57}
